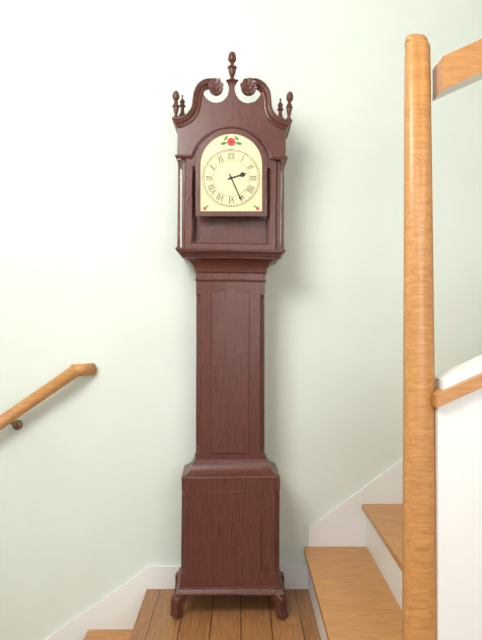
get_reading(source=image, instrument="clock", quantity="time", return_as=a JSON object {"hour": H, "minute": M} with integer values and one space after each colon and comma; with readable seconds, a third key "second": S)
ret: {"hour": 2, "minute": 26}
